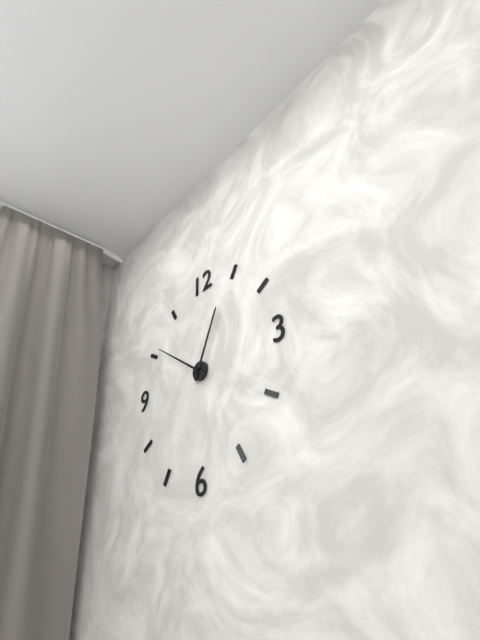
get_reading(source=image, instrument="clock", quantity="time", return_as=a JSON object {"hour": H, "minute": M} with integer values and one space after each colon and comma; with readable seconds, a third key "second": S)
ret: {"hour": 12, "minute": 51}
